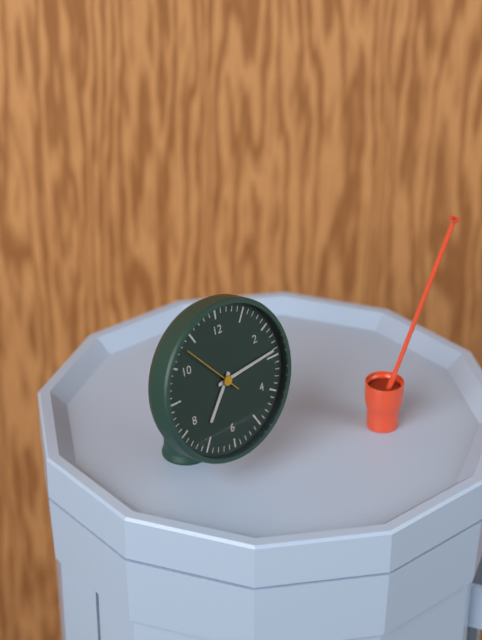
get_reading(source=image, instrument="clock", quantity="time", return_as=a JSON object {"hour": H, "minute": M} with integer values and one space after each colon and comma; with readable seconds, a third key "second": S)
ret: {"hour": 7, "minute": 14, "second": 53}
